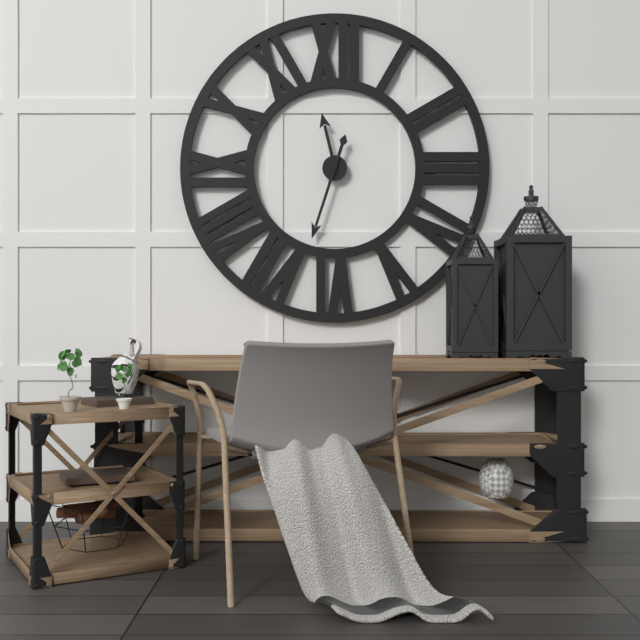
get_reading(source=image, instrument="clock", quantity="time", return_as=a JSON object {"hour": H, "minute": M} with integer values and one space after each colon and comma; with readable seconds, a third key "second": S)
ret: {"hour": 11, "minute": 33}
